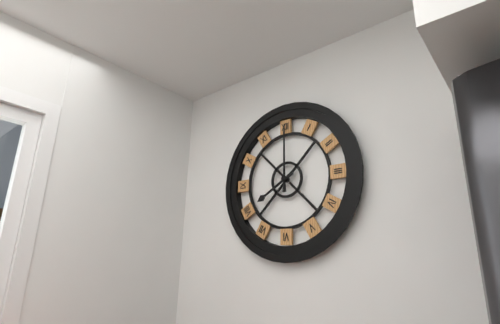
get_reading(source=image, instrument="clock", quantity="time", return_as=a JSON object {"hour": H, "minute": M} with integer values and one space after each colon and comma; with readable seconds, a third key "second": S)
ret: {"hour": 8, "minute": 0}
